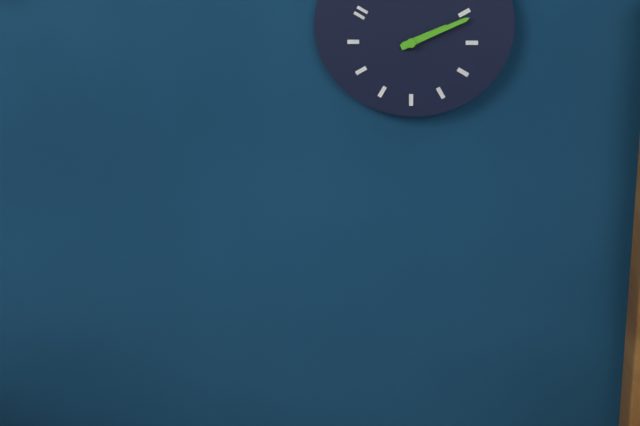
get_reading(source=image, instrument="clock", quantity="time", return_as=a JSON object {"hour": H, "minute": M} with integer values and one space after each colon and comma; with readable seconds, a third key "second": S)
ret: {"hour": 2, "minute": 11}
